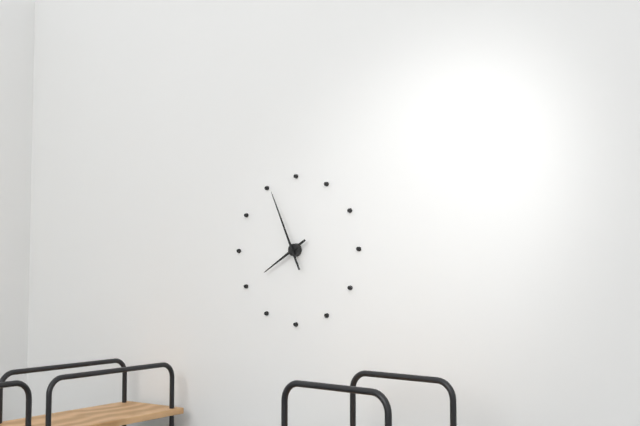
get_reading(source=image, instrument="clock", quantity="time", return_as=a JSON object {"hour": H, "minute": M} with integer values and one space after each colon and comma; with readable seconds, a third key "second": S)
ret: {"hour": 7, "minute": 56}
